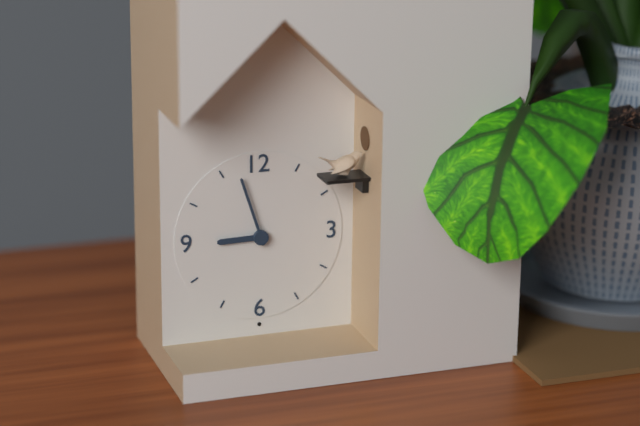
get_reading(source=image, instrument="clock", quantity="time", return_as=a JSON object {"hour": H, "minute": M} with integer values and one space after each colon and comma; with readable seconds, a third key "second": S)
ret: {"hour": 8, "minute": 57}
